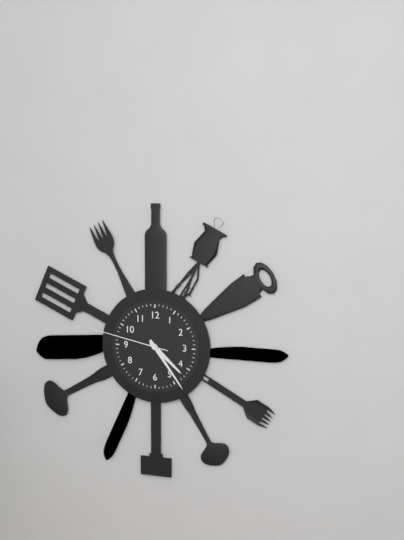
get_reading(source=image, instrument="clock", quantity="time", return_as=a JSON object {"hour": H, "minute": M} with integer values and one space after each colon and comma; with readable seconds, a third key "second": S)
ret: {"hour": 4, "minute": 24, "second": 47}
